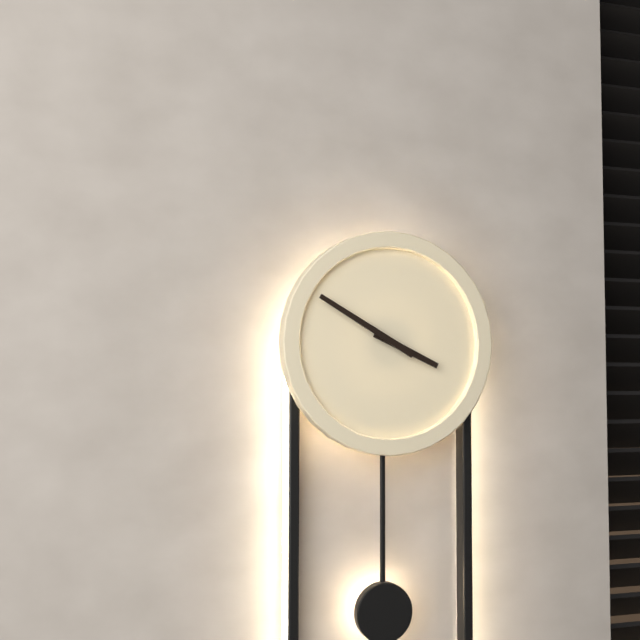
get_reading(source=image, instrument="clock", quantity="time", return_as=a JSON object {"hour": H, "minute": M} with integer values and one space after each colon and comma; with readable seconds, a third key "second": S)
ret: {"hour": 3, "minute": 50}
